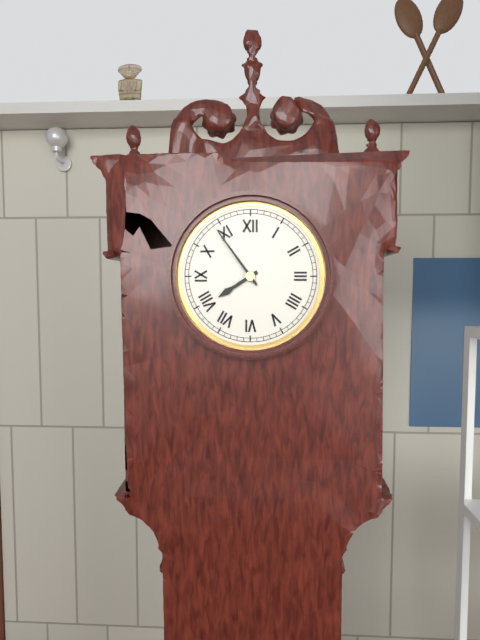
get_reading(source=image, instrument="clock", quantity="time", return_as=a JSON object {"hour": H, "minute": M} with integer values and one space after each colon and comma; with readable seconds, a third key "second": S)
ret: {"hour": 7, "minute": 54}
